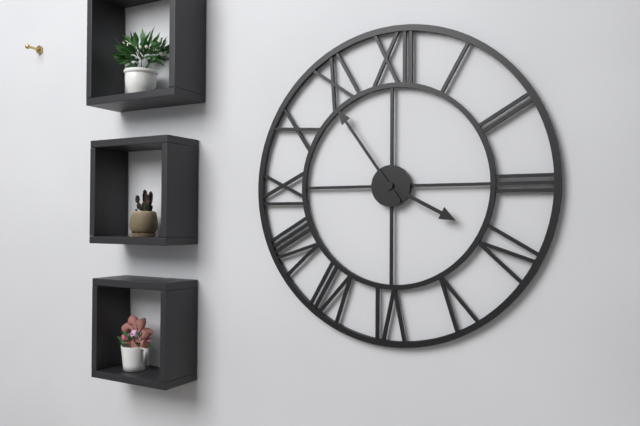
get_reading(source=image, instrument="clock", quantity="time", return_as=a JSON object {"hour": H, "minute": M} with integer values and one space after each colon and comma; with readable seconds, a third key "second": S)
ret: {"hour": 3, "minute": 54}
